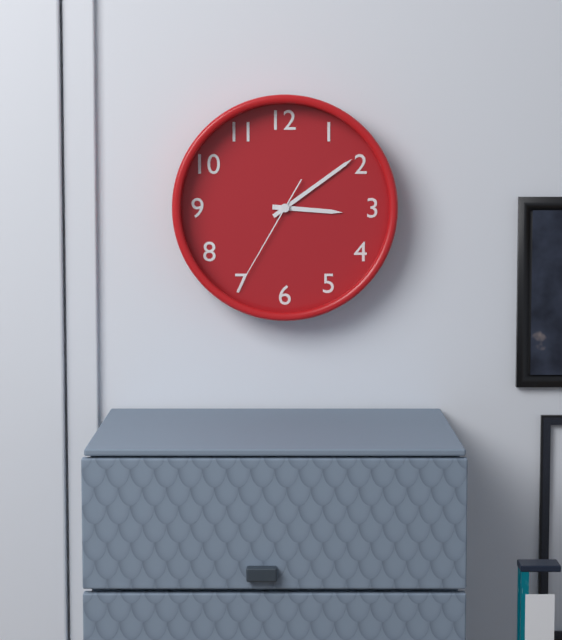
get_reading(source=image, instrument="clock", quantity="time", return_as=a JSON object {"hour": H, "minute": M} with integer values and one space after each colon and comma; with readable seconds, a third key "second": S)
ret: {"hour": 3, "minute": 9, "second": 35}
